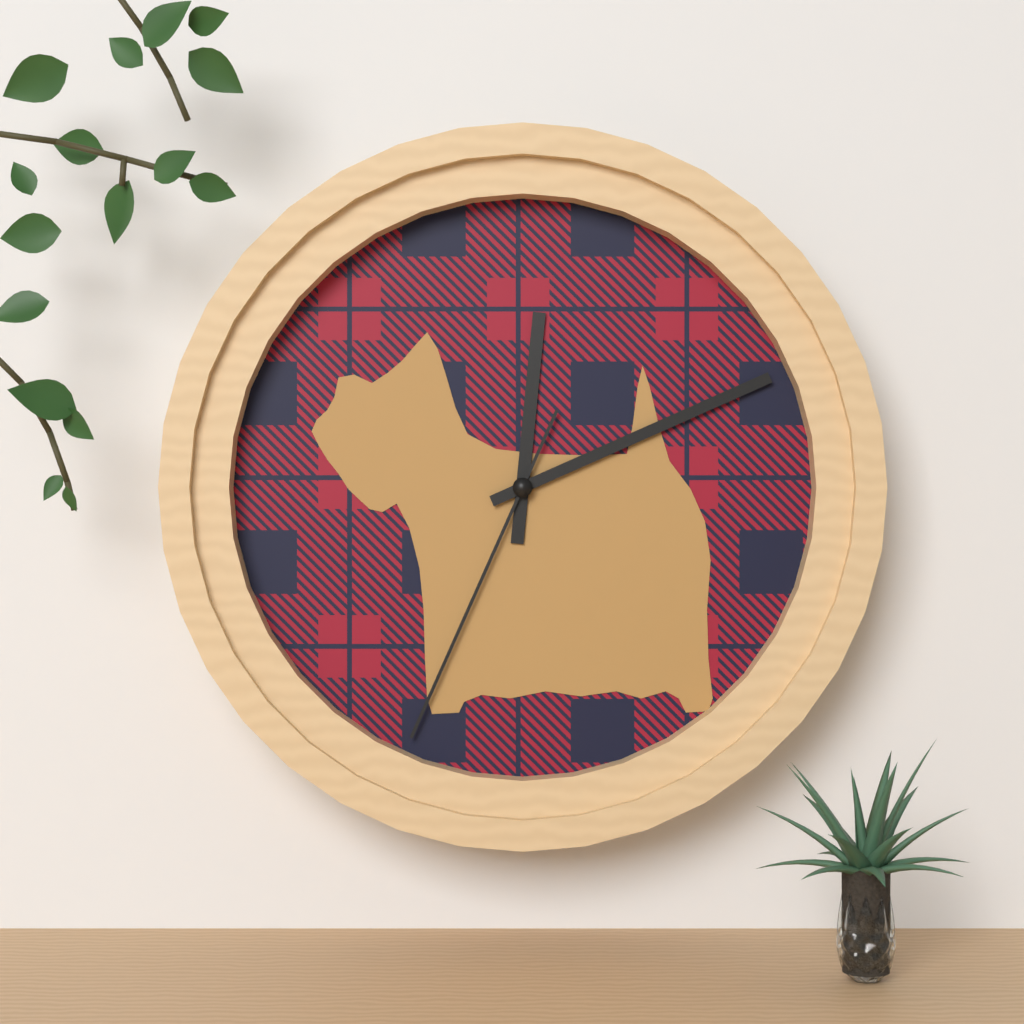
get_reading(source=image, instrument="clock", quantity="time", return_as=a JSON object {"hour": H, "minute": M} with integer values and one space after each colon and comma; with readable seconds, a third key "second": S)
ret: {"hour": 12, "minute": 11, "second": 34}
